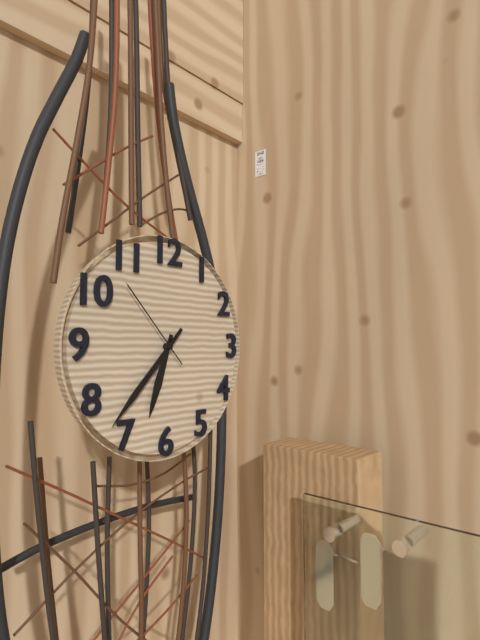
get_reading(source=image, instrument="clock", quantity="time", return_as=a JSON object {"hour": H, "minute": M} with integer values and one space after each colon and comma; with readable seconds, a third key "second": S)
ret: {"hour": 6, "minute": 37, "second": 53}
